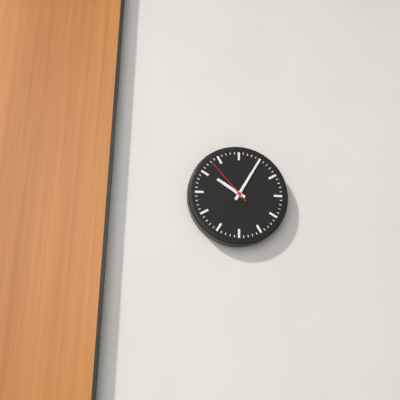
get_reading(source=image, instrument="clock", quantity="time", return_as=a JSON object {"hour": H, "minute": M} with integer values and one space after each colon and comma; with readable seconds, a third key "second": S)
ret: {"hour": 10, "minute": 5, "second": 53}
